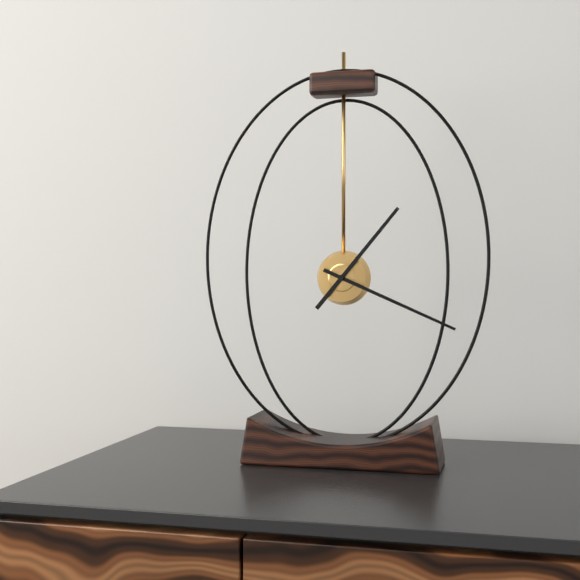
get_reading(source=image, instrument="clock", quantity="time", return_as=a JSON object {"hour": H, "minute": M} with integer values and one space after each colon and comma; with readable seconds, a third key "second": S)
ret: {"hour": 1, "minute": 19}
